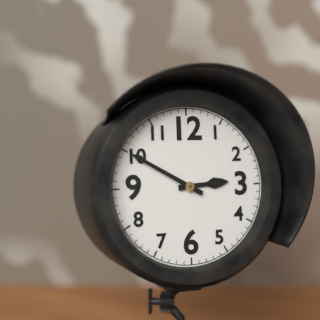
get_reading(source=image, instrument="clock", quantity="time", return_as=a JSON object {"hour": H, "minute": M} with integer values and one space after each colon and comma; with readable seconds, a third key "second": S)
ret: {"hour": 2, "minute": 50}
